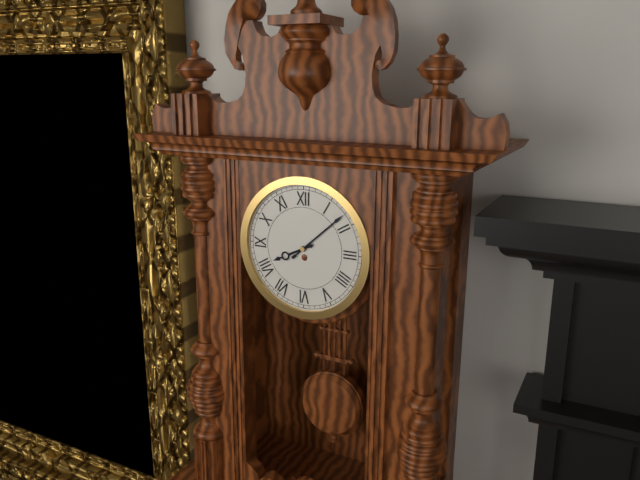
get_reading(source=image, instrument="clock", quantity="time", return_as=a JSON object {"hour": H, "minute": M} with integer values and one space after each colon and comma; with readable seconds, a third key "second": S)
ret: {"hour": 8, "minute": 8}
